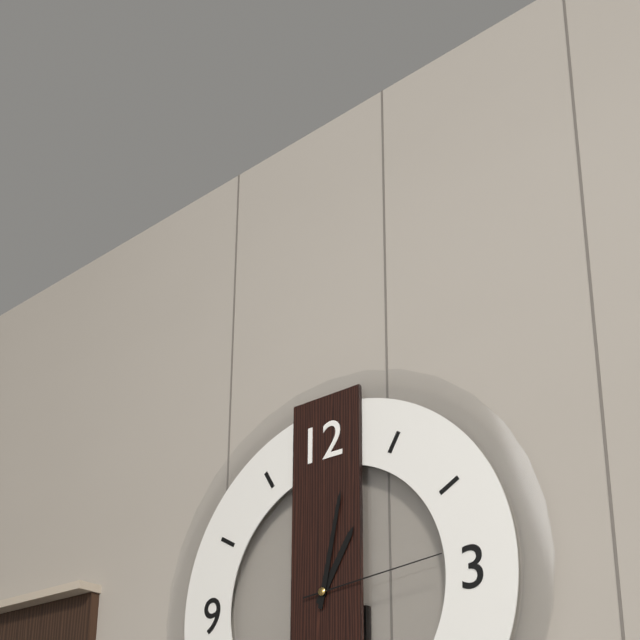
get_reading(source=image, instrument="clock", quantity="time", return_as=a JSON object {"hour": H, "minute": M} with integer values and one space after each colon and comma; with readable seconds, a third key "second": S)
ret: {"hour": 1, "minute": 2, "second": 14}
